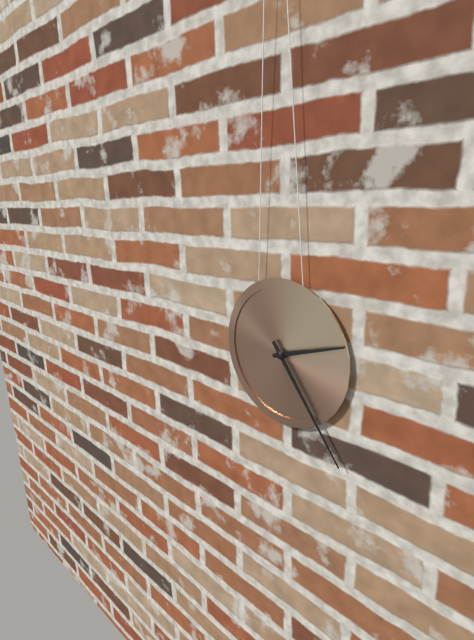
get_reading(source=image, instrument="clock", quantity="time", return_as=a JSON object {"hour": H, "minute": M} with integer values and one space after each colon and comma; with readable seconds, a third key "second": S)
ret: {"hour": 2, "minute": 24}
